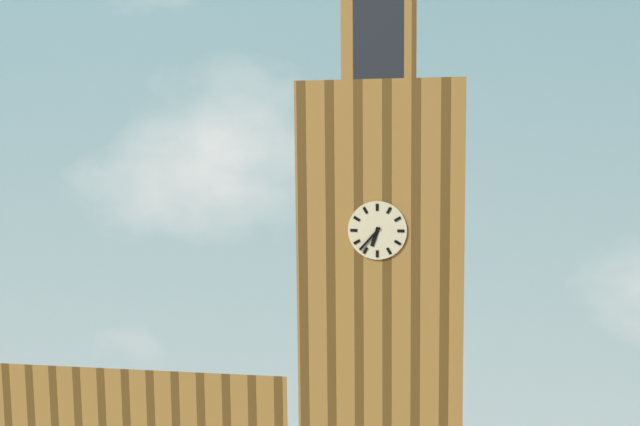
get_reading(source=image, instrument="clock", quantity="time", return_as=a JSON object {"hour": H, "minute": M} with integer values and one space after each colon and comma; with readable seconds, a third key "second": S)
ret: {"hour": 6, "minute": 37}
